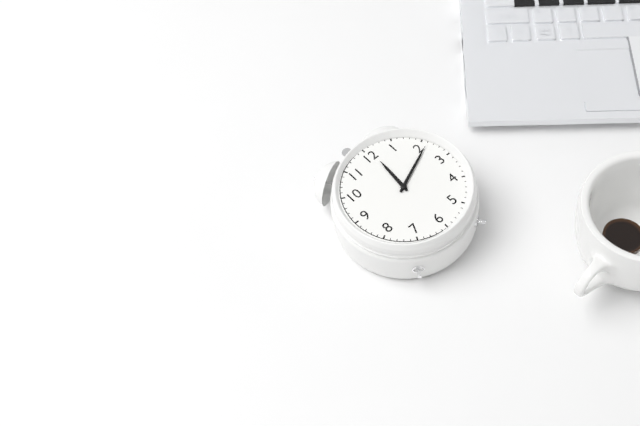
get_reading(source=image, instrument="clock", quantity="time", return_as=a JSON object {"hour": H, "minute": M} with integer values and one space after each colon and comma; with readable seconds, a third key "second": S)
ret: {"hour": 12, "minute": 11}
